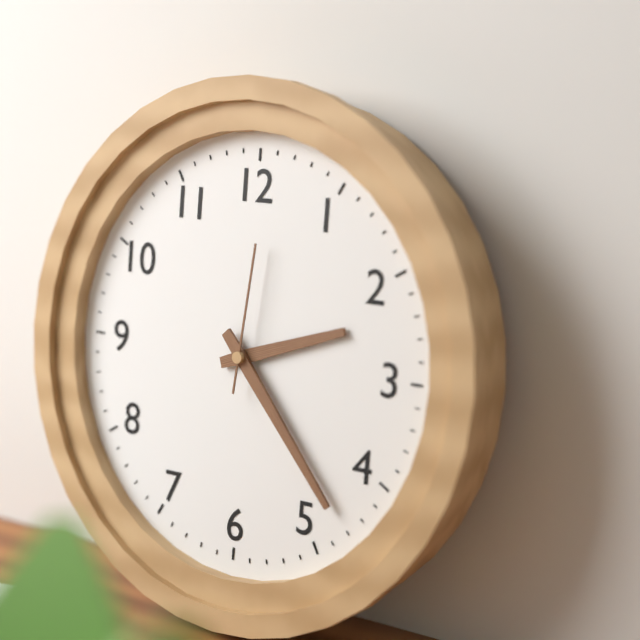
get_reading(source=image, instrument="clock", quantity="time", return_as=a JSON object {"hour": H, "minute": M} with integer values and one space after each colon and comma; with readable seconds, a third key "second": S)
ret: {"hour": 2, "minute": 23, "second": 1}
